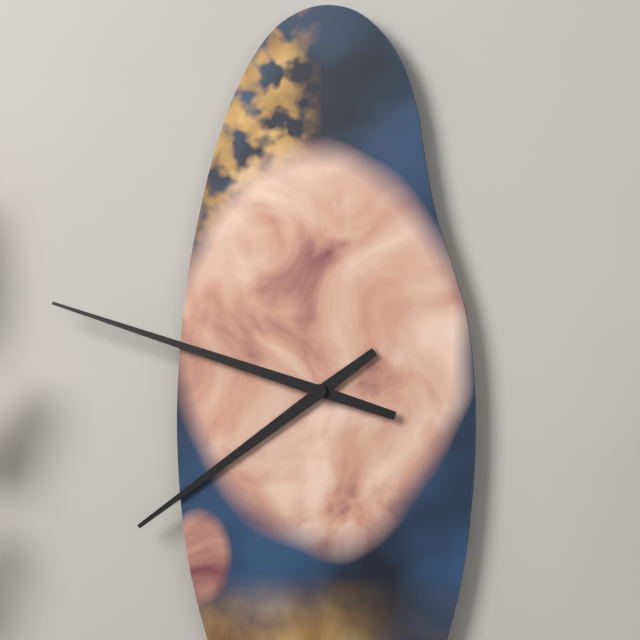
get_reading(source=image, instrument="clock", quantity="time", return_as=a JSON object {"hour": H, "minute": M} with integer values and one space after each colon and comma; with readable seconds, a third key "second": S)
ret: {"hour": 7, "minute": 48}
